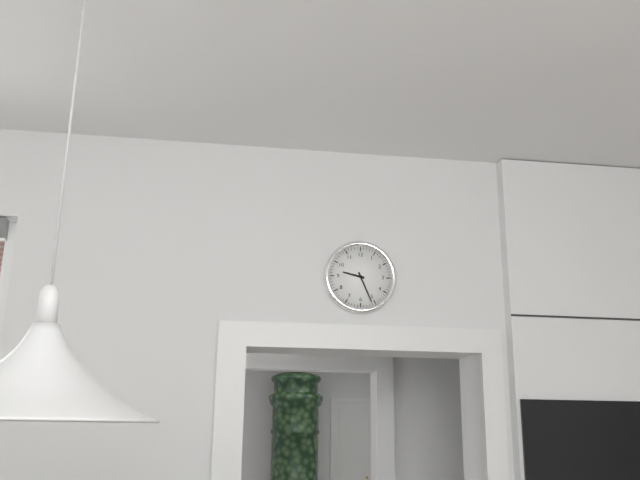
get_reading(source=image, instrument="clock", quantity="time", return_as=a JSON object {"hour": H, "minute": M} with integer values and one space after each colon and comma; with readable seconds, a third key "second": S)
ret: {"hour": 9, "minute": 26}
